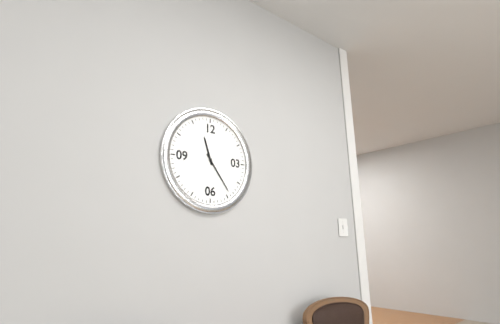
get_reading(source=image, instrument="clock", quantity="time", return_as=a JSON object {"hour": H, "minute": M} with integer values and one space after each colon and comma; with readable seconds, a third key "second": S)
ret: {"hour": 11, "minute": 24}
